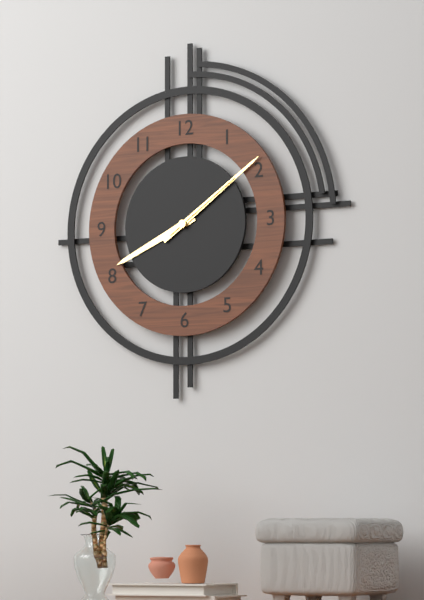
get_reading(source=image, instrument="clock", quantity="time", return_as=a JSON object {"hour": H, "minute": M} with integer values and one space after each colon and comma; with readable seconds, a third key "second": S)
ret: {"hour": 8, "minute": 9, "second": 9}
